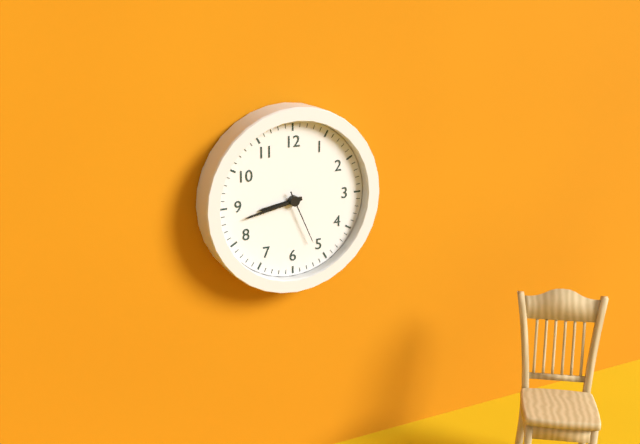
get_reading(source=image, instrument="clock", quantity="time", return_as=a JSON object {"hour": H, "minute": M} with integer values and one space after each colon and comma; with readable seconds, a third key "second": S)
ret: {"hour": 8, "minute": 43, "second": 26}
